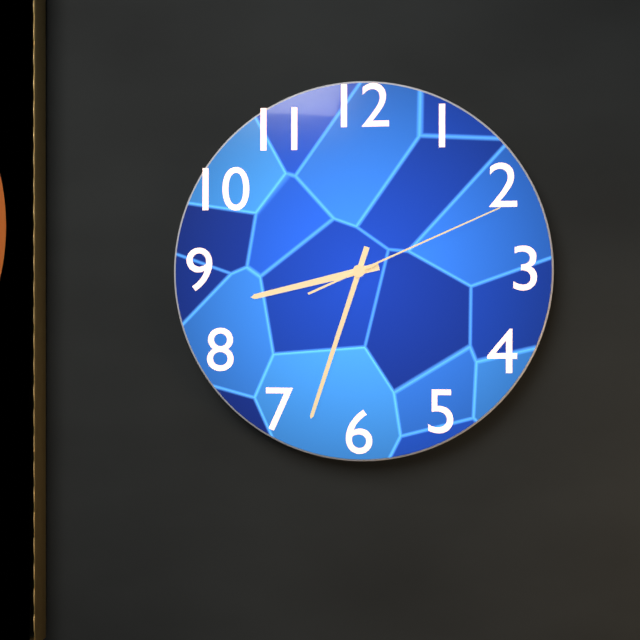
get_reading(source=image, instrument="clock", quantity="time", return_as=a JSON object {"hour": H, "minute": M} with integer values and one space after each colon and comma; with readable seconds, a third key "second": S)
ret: {"hour": 8, "minute": 33, "second": 11}
